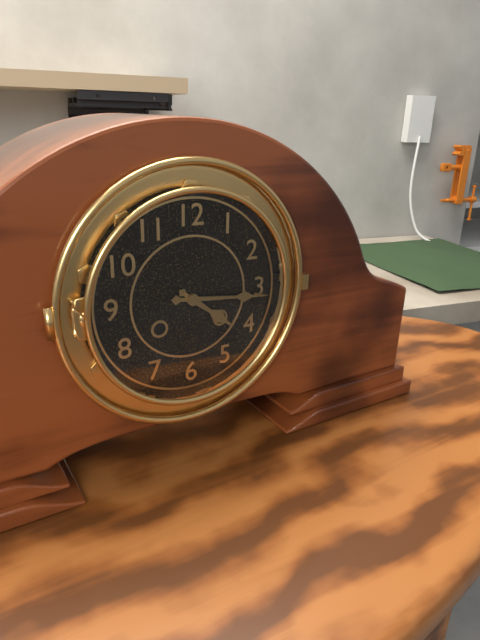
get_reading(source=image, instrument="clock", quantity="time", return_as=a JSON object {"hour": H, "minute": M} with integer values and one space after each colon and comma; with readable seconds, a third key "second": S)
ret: {"hour": 4, "minute": 16}
